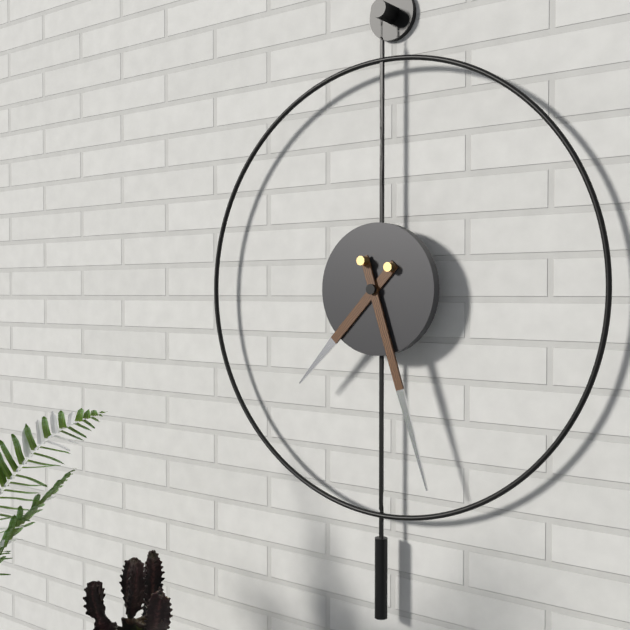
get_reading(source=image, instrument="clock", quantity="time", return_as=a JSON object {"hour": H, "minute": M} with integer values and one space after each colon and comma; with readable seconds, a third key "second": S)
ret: {"hour": 7, "minute": 27}
